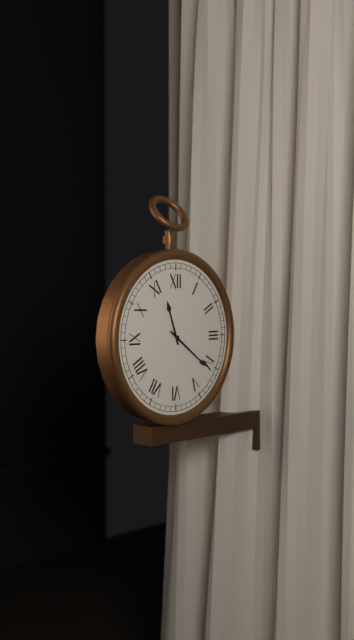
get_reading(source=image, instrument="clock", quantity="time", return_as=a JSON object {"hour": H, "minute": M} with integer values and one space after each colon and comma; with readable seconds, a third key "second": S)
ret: {"hour": 11, "minute": 21}
